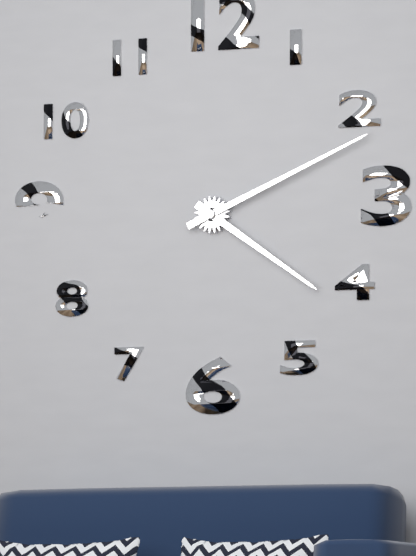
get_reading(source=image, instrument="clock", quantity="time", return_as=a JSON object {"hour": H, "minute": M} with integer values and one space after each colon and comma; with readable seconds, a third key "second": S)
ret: {"hour": 4, "minute": 11}
